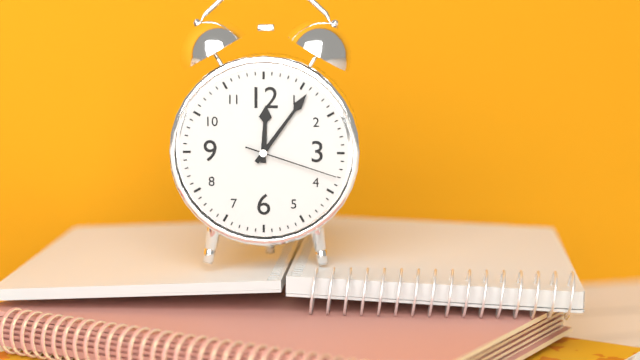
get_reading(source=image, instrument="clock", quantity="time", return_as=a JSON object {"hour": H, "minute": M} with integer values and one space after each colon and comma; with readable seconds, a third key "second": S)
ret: {"hour": 12, "minute": 6, "second": 18}
